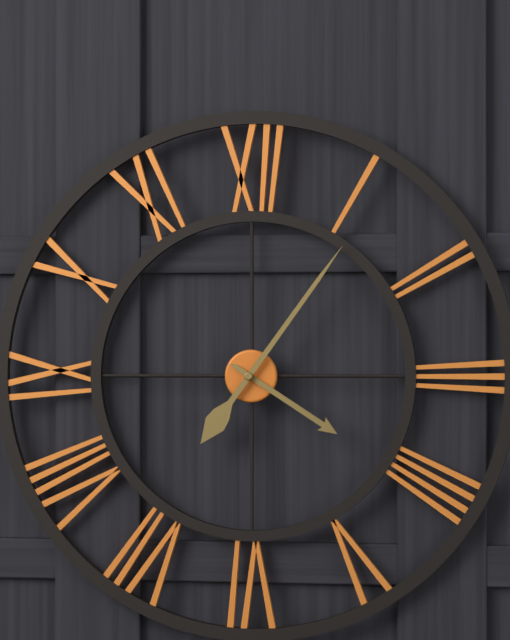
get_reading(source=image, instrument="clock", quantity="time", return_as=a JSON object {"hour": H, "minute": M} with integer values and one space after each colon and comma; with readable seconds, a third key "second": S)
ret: {"hour": 4, "minute": 6}
